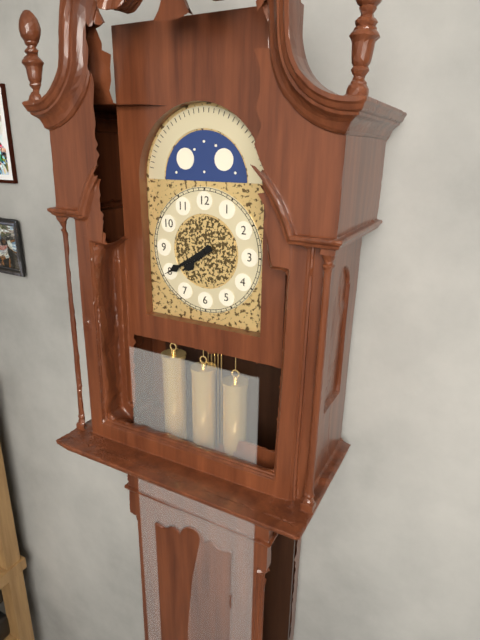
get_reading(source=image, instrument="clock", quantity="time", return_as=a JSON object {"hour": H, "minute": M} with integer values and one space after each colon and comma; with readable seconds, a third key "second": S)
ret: {"hour": 7, "minute": 40}
